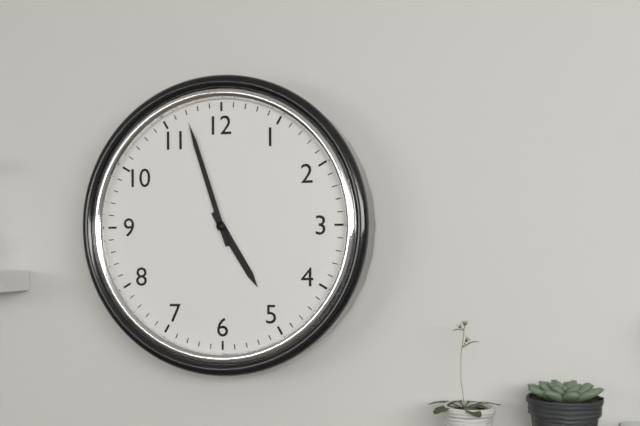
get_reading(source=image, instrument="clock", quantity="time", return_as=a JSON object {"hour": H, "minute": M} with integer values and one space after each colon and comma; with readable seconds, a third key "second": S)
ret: {"hour": 4, "minute": 57}
